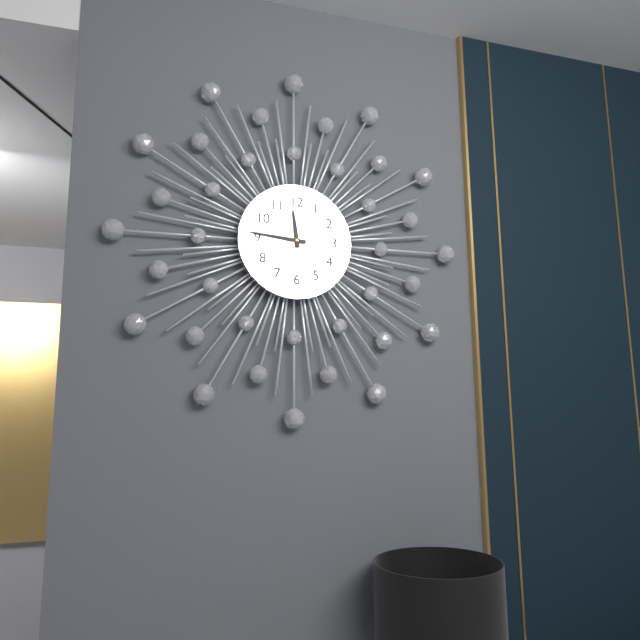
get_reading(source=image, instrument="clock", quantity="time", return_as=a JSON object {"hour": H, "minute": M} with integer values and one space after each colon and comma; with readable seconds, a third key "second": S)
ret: {"hour": 11, "minute": 46}
